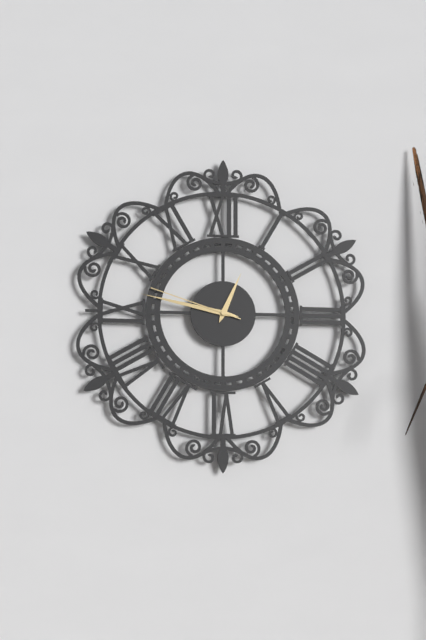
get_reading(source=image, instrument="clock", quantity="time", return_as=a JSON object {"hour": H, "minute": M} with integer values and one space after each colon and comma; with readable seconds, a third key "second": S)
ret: {"hour": 12, "minute": 47, "second": 48}
